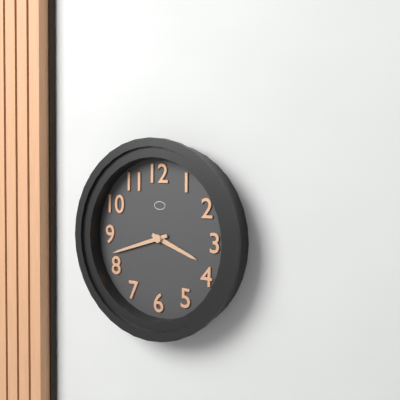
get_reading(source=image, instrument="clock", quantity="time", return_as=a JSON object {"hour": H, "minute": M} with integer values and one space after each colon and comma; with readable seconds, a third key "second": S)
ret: {"hour": 3, "minute": 42}
